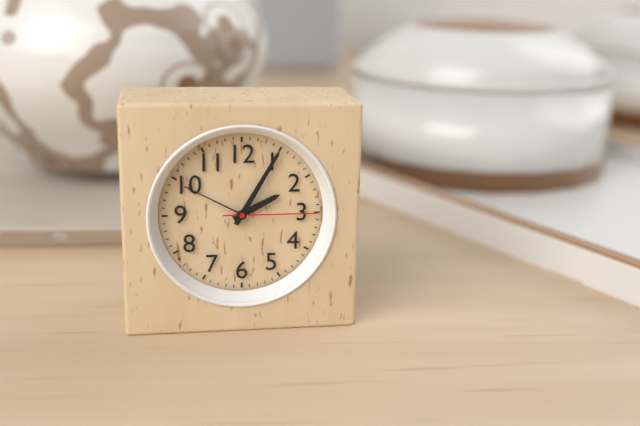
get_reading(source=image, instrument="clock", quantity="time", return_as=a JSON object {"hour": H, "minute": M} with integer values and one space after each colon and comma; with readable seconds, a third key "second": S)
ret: {"hour": 2, "minute": 5, "second": 15}
